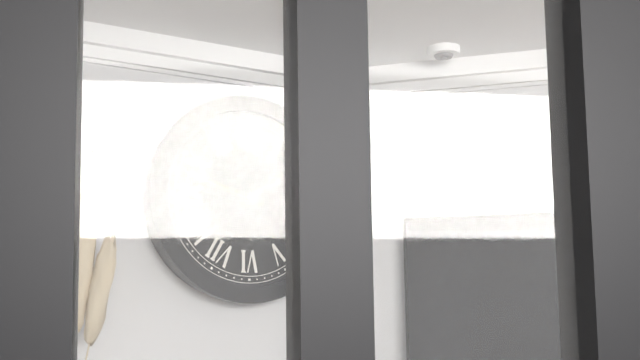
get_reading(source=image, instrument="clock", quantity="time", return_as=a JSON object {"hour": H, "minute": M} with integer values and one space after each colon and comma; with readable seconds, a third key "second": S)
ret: {"hour": 1, "minute": 48}
